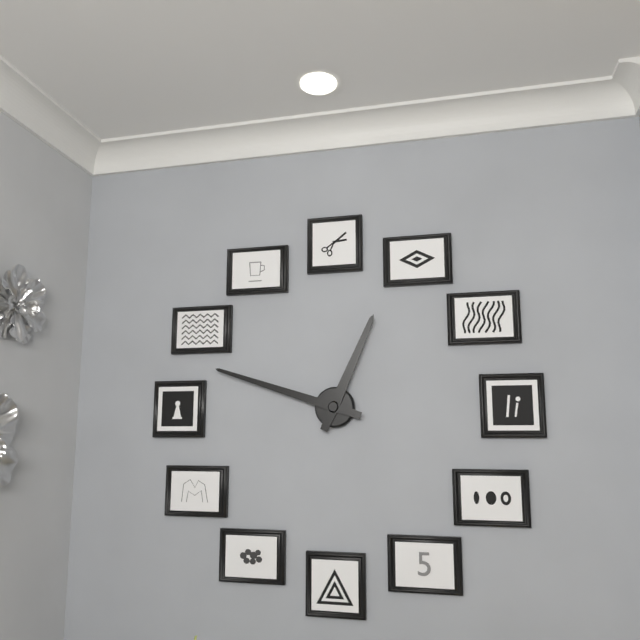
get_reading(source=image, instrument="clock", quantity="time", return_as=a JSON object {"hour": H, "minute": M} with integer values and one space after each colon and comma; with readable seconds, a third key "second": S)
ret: {"hour": 12, "minute": 48}
